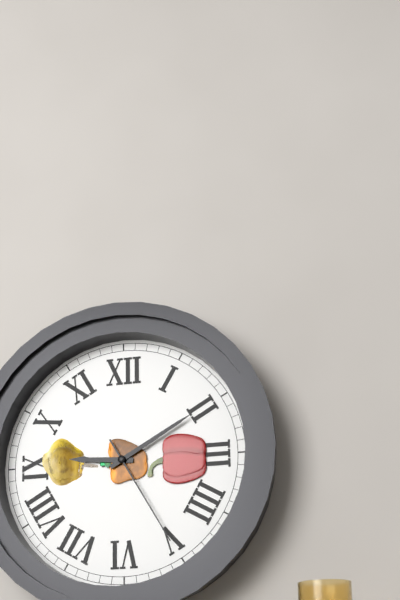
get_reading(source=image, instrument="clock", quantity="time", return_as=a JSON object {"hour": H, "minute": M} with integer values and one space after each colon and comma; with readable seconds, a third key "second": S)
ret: {"hour": 9, "minute": 10, "second": 25}
